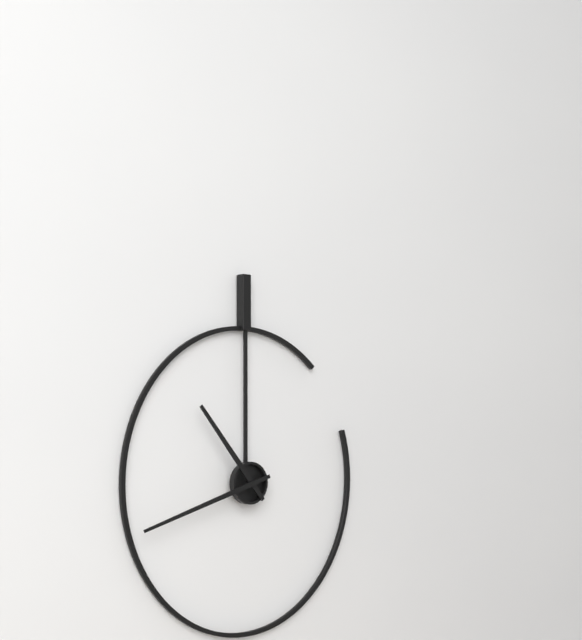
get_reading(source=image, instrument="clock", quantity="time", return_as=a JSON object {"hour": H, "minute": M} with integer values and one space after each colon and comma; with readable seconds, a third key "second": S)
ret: {"hour": 10, "minute": 42}
